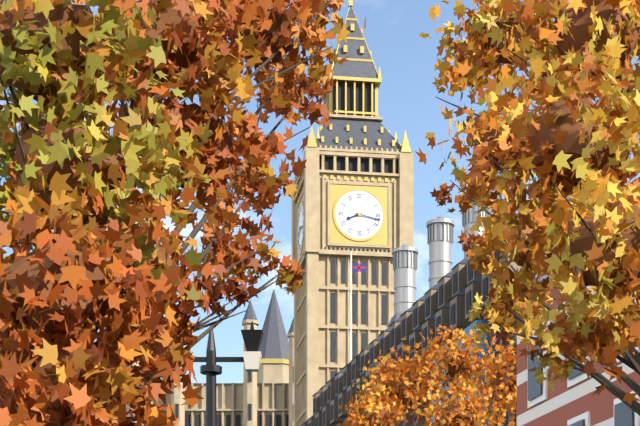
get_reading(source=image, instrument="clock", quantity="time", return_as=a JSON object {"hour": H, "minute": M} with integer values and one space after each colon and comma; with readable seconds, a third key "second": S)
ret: {"hour": 8, "minute": 17}
